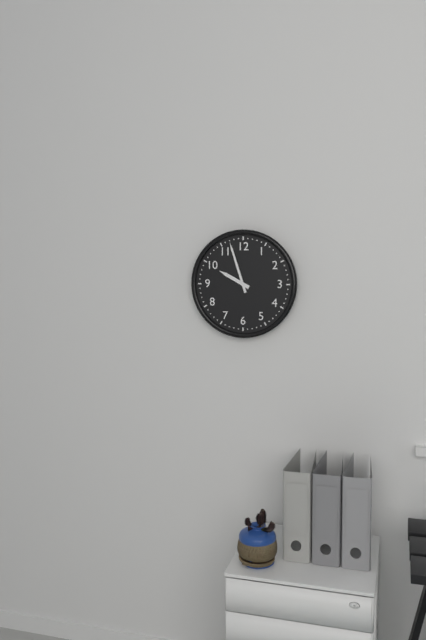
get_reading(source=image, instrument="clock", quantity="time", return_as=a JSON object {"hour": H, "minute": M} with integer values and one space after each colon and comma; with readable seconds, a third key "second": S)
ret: {"hour": 9, "minute": 57}
